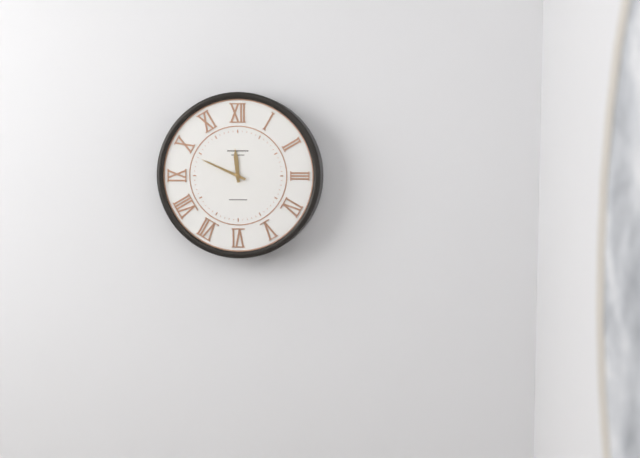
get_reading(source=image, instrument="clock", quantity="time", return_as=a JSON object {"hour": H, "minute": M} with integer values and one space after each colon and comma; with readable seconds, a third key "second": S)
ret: {"hour": 11, "minute": 49}
